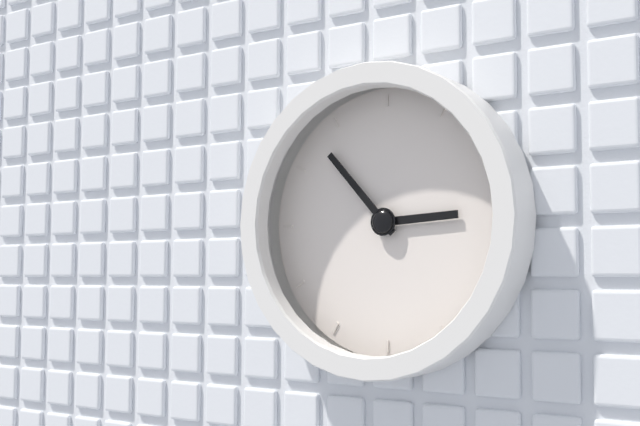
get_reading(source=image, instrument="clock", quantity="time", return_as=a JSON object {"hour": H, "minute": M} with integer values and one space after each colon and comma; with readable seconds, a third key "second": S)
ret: {"hour": 2, "minute": 53}
